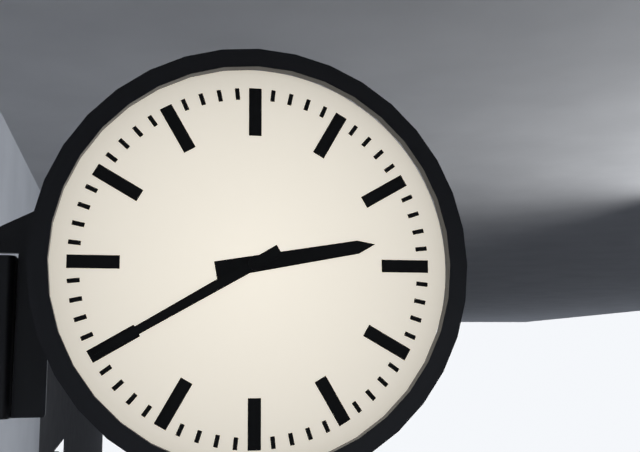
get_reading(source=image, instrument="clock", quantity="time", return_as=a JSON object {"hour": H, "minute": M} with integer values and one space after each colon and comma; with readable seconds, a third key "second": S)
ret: {"hour": 2, "minute": 40}
